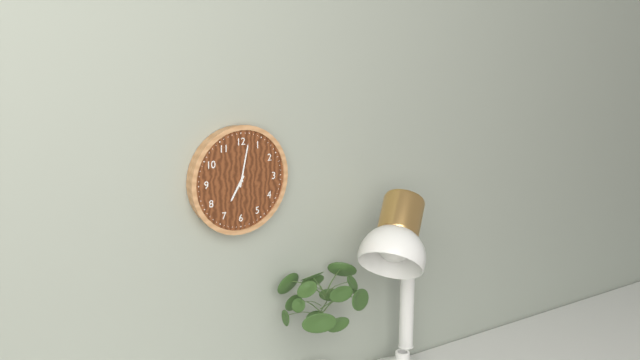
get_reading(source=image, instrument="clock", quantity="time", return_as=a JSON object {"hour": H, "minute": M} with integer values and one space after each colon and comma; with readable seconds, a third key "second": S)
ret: {"hour": 7, "minute": 2}
